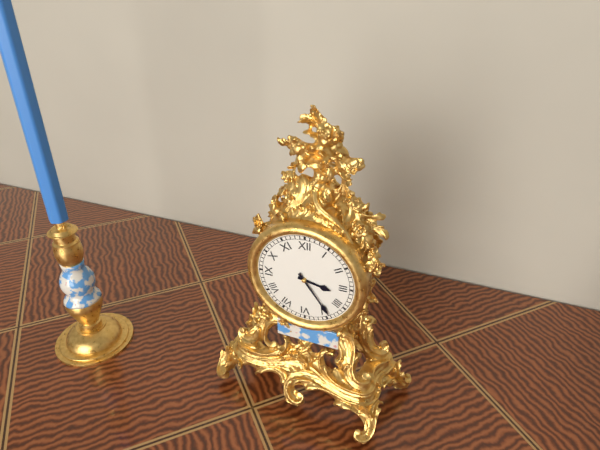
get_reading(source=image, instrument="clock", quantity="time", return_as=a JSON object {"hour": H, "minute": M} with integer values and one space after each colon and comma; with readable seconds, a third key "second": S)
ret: {"hour": 3, "minute": 24}
